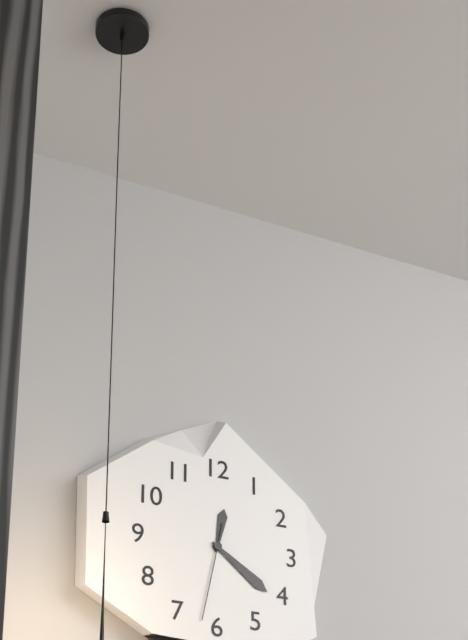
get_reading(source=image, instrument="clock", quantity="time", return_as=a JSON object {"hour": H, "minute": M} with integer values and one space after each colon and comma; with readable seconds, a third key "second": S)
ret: {"hour": 12, "minute": 21, "second": 32}
